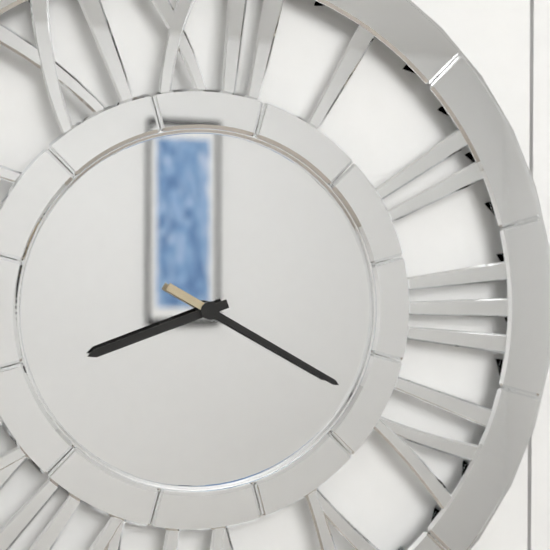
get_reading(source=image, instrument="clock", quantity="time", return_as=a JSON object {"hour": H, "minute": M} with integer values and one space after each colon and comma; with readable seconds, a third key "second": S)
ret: {"hour": 8, "minute": 20}
